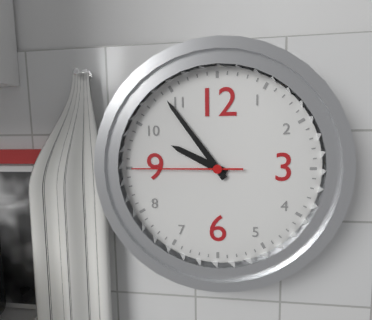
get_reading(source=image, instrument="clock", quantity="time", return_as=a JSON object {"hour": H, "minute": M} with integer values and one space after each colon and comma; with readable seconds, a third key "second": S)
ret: {"hour": 9, "minute": 54, "second": 45}
